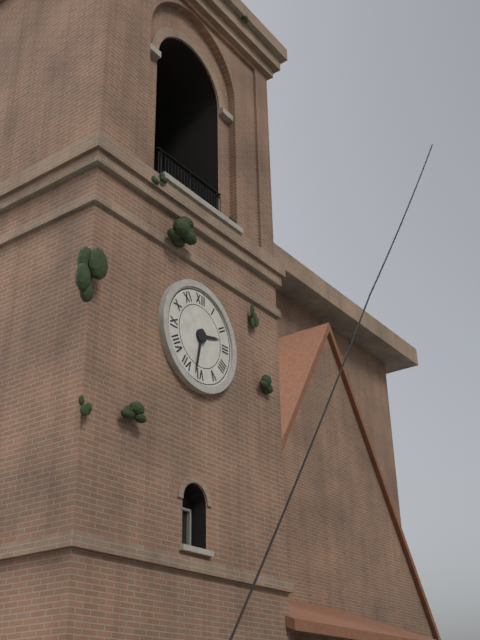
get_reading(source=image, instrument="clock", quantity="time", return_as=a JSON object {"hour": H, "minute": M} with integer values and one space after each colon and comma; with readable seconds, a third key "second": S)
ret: {"hour": 2, "minute": 32}
